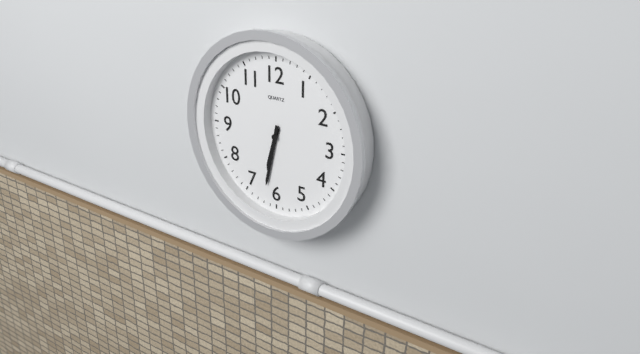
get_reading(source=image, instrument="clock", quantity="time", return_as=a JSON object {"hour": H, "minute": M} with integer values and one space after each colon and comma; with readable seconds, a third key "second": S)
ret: {"hour": 6, "minute": 32}
